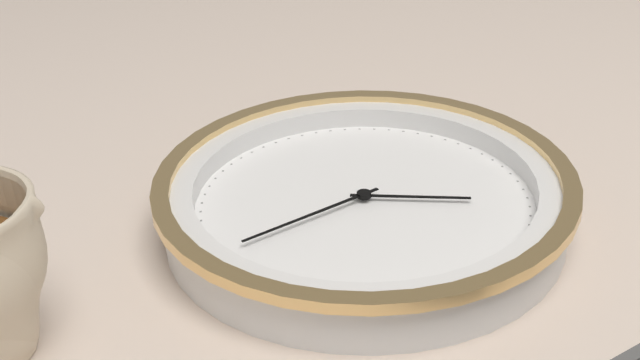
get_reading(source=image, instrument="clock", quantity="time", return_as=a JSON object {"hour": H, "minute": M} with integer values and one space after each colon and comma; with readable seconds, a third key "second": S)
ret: {"hour": 9, "minute": 9}
